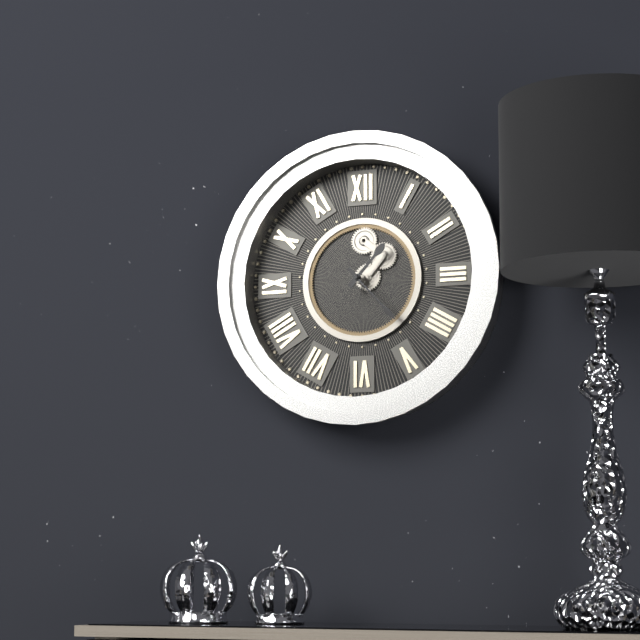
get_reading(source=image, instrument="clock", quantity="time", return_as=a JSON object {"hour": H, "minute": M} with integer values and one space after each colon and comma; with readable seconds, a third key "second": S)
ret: {"hour": 1, "minute": 23}
